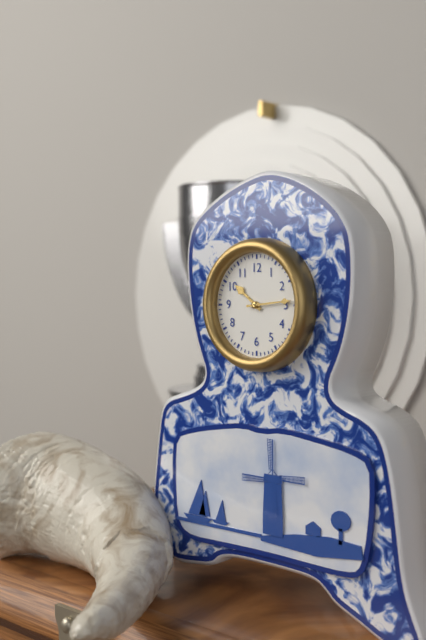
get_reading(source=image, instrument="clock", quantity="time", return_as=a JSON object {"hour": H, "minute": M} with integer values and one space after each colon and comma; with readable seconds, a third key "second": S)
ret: {"hour": 10, "minute": 14}
